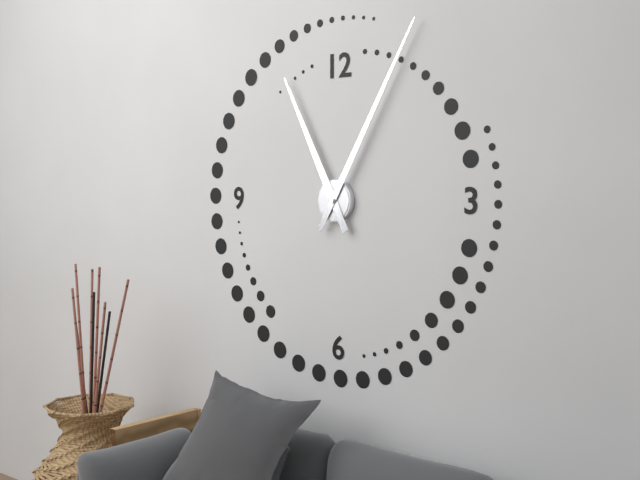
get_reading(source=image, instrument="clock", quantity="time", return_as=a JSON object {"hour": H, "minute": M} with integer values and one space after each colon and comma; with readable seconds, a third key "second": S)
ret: {"hour": 11, "minute": 5}
